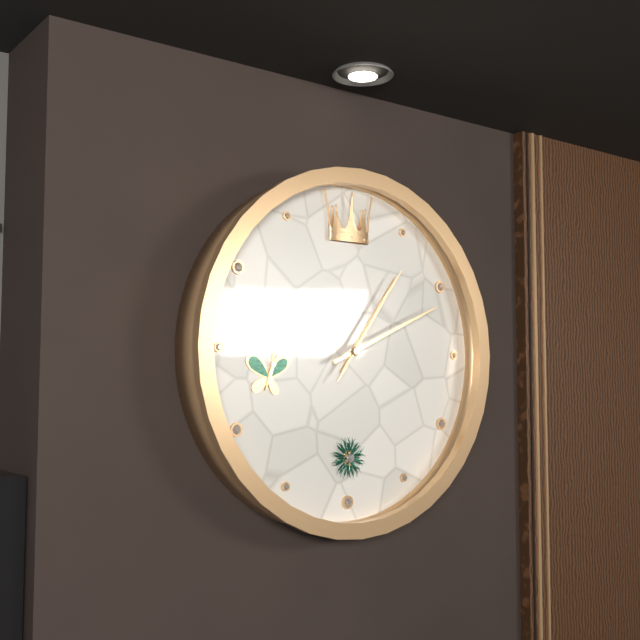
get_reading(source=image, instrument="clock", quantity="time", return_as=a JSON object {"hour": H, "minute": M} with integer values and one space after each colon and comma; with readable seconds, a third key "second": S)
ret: {"hour": 1, "minute": 11, "second": 6}
